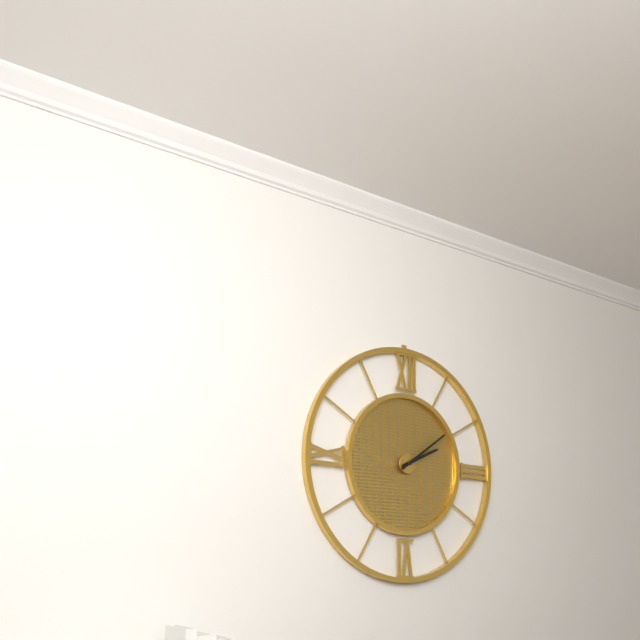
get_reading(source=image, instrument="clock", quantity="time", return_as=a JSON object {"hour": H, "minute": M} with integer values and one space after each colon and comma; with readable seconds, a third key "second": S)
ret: {"hour": 2, "minute": 9}
